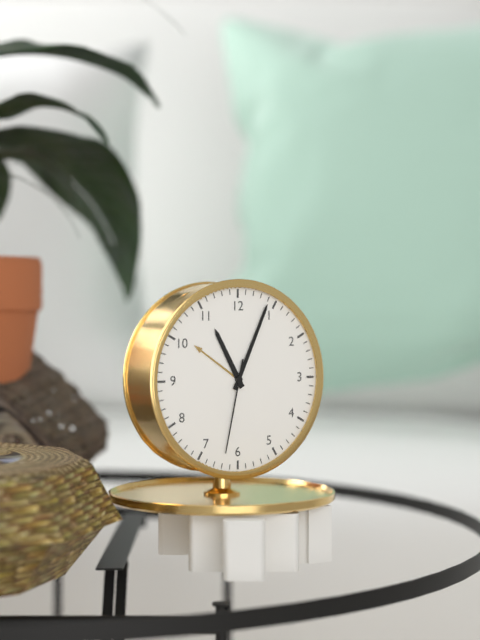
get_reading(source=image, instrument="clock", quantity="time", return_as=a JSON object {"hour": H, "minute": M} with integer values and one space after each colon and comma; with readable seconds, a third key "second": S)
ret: {"hour": 11, "minute": 4, "second": 32}
